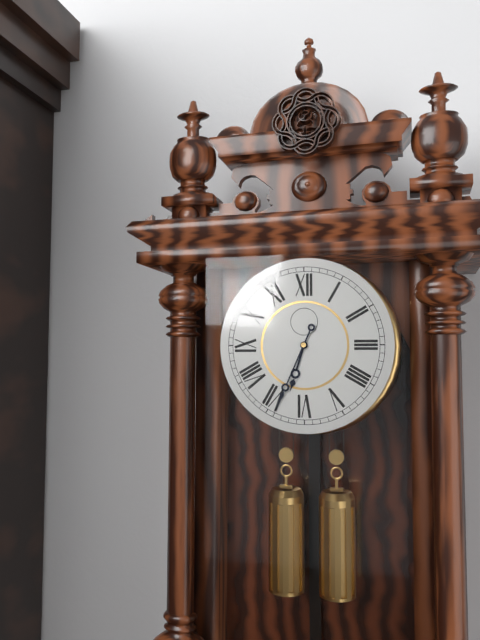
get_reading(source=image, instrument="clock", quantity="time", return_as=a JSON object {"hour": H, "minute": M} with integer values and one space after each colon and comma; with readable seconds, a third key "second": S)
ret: {"hour": 6, "minute": 34}
